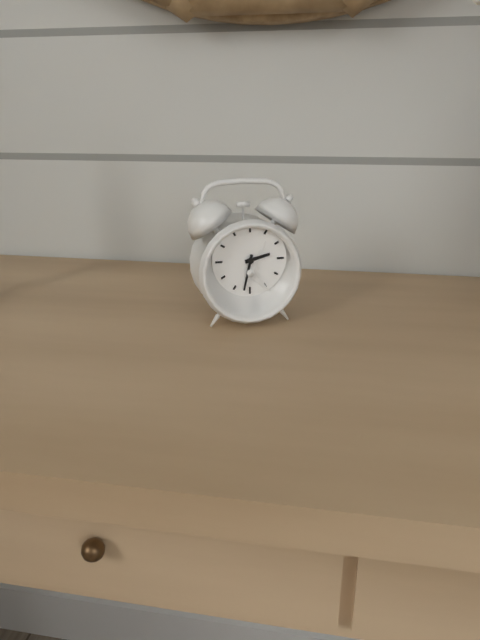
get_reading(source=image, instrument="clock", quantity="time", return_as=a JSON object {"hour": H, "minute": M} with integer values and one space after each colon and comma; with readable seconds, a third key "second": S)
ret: {"hour": 2, "minute": 32}
